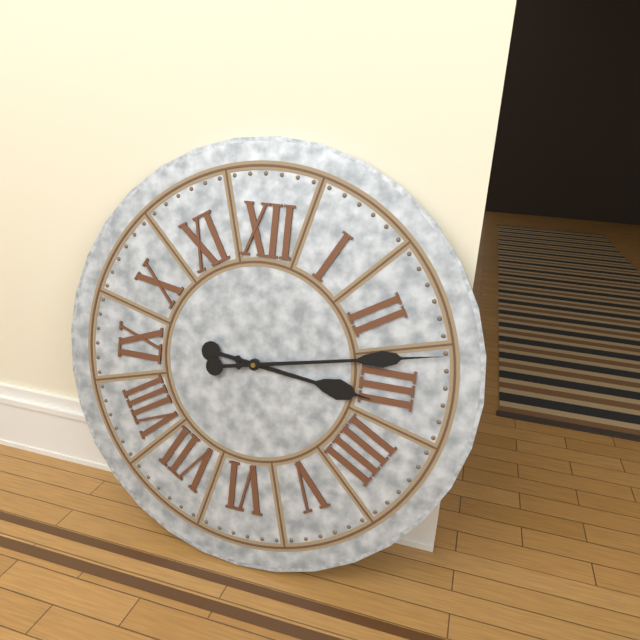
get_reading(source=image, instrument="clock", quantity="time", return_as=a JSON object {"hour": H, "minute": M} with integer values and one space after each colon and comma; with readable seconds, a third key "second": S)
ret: {"hour": 3, "minute": 13}
